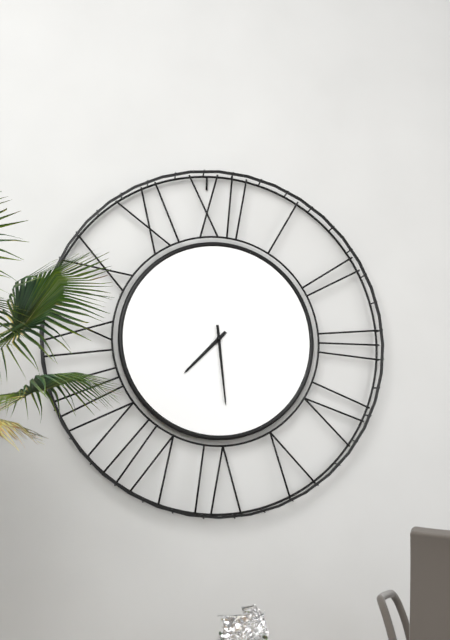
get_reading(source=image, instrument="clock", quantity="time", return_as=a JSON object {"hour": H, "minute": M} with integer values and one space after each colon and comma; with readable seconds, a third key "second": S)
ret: {"hour": 7, "minute": 29}
